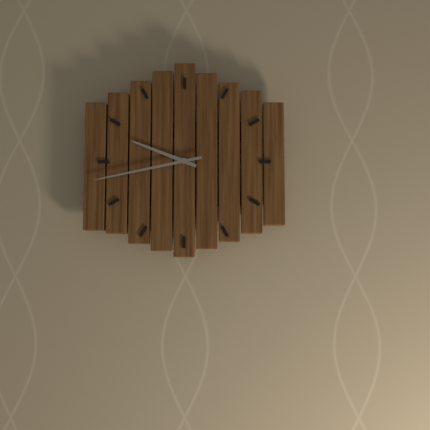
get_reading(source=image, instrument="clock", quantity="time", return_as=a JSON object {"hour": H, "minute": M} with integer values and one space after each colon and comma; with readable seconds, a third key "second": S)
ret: {"hour": 9, "minute": 43}
